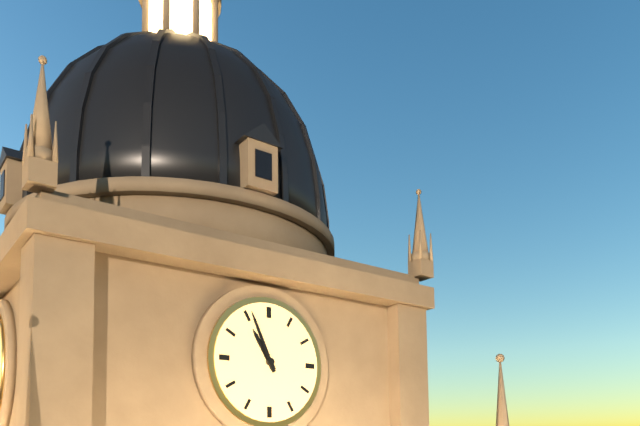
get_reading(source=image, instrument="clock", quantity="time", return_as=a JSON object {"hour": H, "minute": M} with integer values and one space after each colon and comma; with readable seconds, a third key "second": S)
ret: {"hour": 10, "minute": 56}
